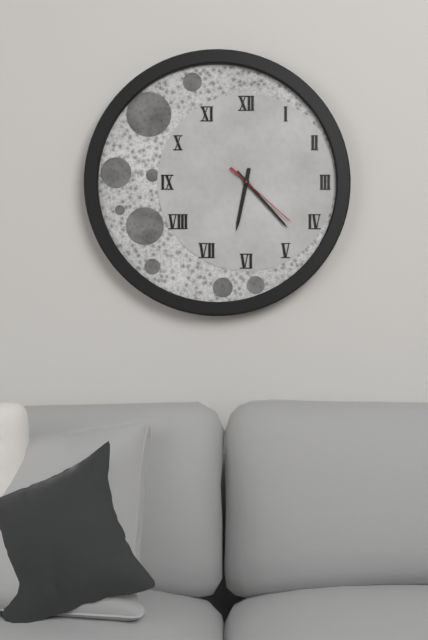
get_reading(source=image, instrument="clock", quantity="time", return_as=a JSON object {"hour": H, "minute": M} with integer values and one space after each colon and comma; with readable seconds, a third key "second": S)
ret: {"hour": 6, "minute": 23, "second": 22}
